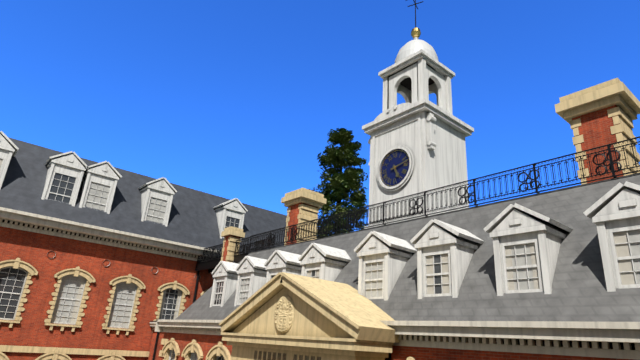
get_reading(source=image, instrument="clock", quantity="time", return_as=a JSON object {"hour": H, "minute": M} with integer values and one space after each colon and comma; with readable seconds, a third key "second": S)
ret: {"hour": 5, "minute": 13}
